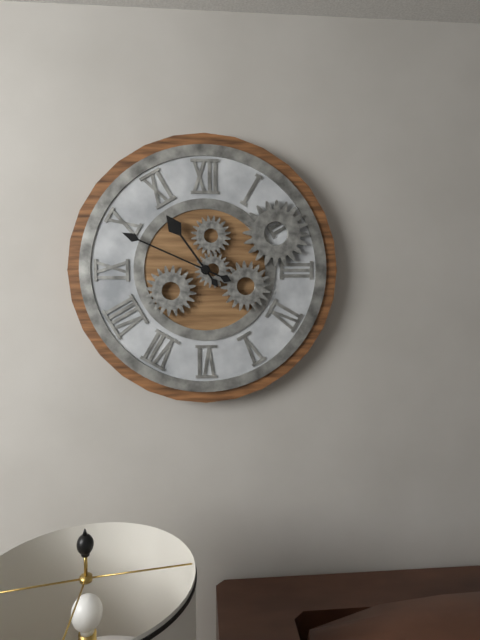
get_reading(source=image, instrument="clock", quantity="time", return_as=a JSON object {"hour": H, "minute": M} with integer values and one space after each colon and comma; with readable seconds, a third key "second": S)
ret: {"hour": 10, "minute": 49}
